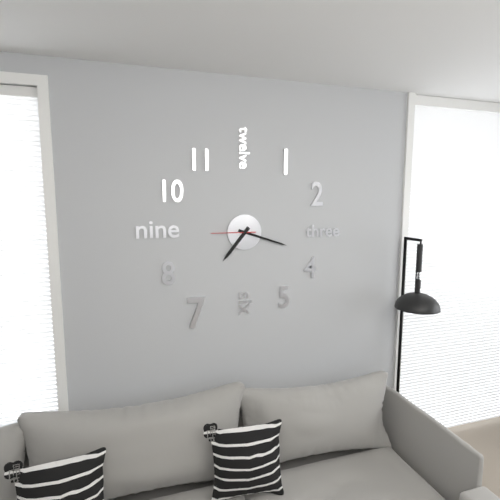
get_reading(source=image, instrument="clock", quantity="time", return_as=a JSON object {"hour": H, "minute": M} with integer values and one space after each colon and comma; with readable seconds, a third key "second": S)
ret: {"hour": 7, "minute": 18}
